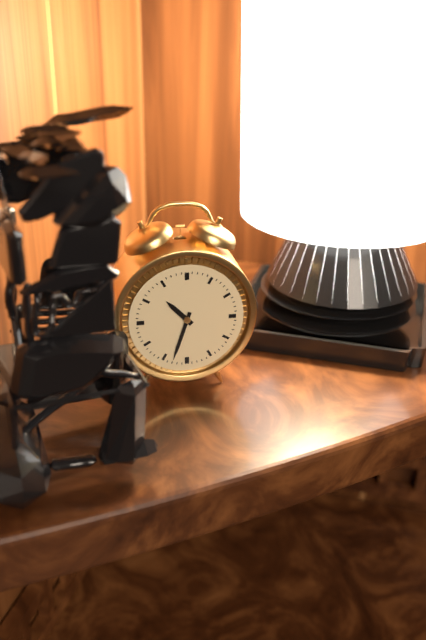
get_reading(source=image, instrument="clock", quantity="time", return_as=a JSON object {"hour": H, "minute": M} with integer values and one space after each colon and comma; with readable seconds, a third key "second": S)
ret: {"hour": 10, "minute": 33}
